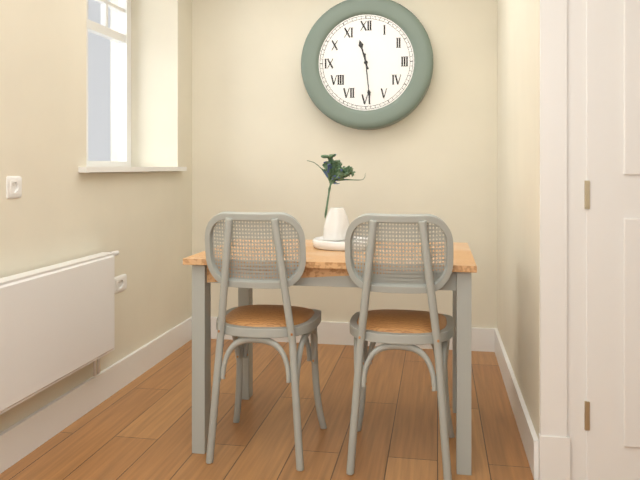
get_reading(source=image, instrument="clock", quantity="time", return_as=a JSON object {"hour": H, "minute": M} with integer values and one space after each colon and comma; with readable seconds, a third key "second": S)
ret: {"hour": 11, "minute": 29}
